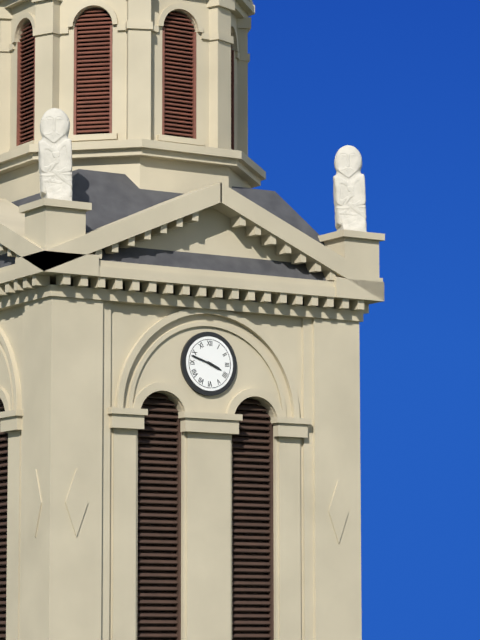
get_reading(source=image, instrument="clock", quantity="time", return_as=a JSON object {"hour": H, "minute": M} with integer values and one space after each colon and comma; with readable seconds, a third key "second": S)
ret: {"hour": 3, "minute": 48}
